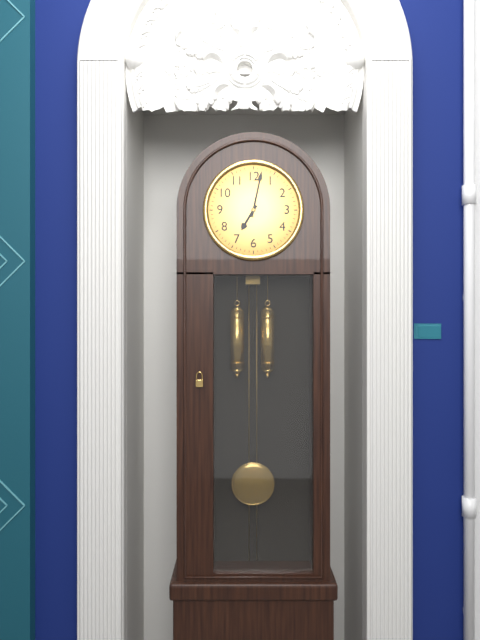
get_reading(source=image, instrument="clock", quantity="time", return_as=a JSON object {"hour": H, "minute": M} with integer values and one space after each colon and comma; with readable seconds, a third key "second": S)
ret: {"hour": 7, "minute": 2}
